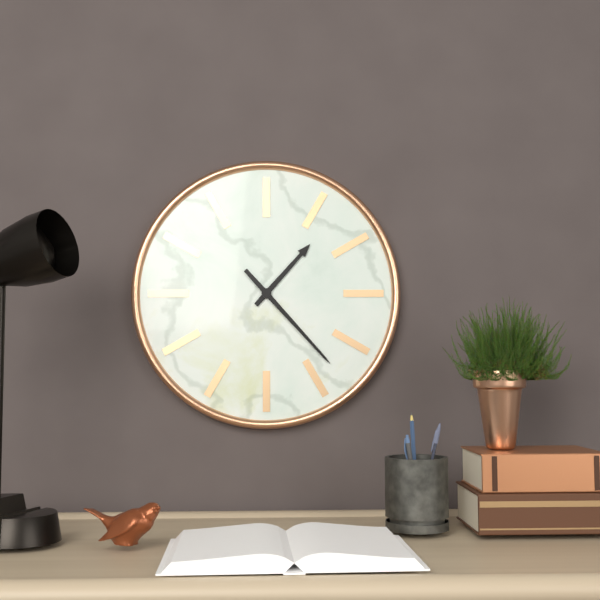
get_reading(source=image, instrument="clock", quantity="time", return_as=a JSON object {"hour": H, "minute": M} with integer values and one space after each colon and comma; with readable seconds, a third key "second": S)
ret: {"hour": 1, "minute": 23}
